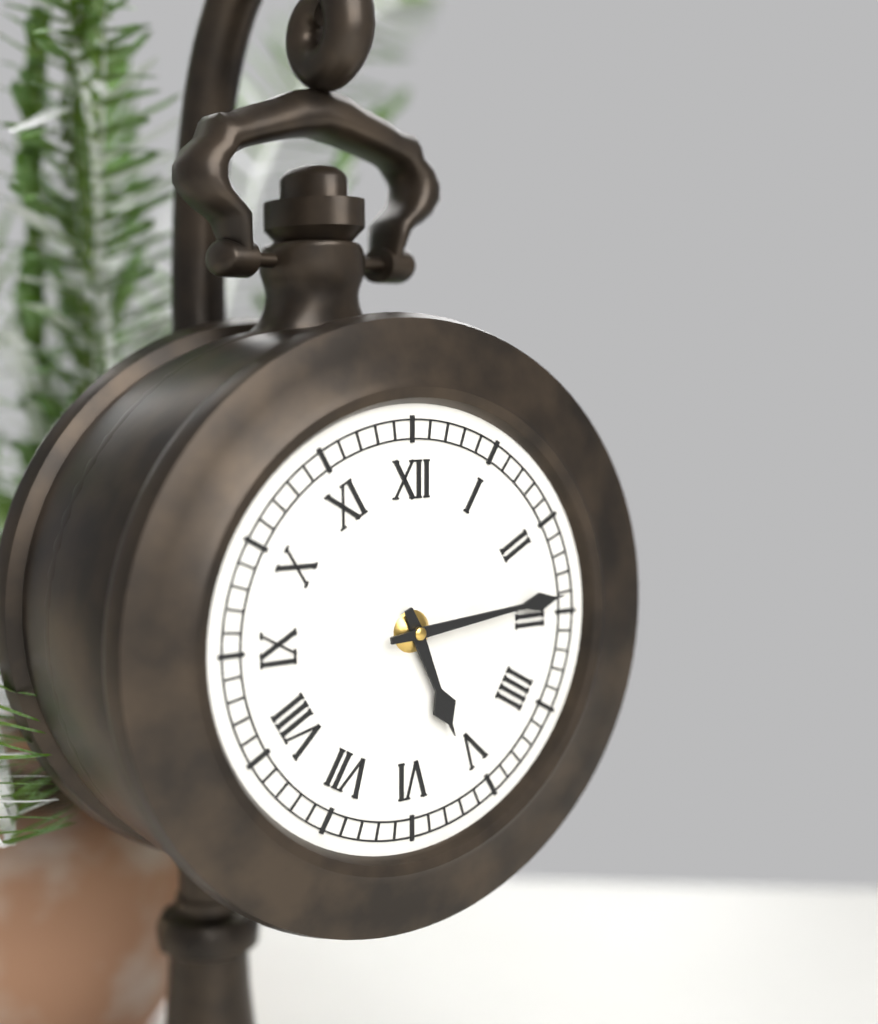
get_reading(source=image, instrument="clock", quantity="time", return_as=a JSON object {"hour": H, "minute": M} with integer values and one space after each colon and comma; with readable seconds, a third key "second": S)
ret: {"hour": 5, "minute": 14}
